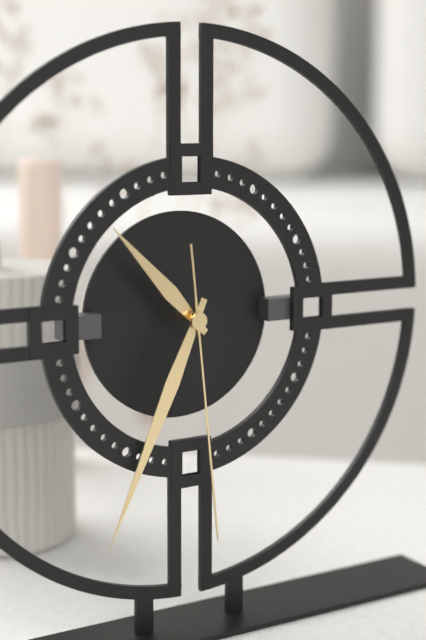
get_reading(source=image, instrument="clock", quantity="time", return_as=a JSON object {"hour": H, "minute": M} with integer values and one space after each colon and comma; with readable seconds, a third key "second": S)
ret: {"hour": 10, "minute": 34, "second": 29}
